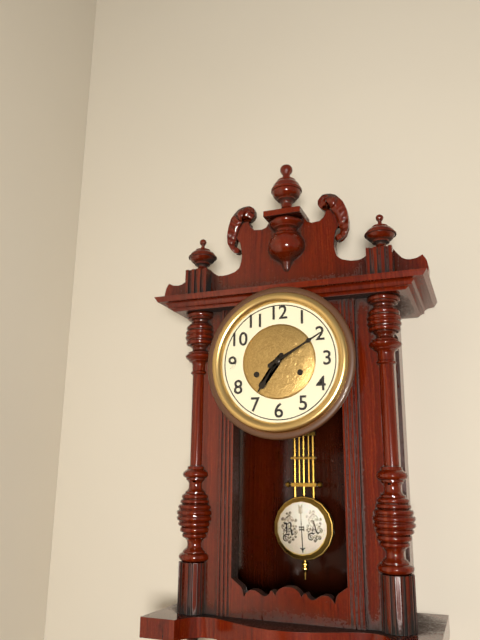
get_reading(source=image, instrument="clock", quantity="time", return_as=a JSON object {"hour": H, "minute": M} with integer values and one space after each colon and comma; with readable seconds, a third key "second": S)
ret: {"hour": 7, "minute": 10}
